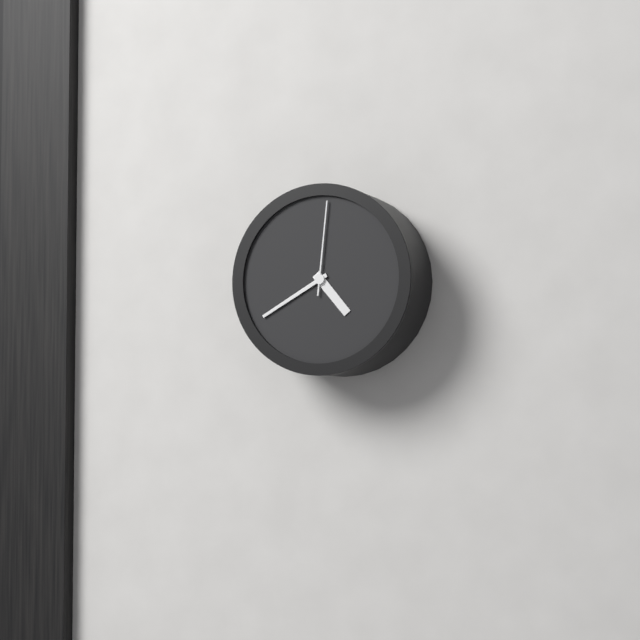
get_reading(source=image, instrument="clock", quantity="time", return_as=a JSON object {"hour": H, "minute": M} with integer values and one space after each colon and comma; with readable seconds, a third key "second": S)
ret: {"hour": 4, "minute": 40, "second": 1}
